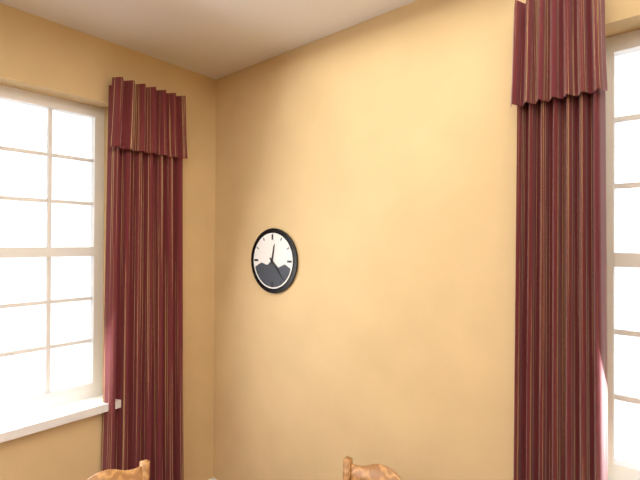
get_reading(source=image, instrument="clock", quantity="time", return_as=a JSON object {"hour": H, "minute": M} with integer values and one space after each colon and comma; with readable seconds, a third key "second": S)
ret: {"hour": 12, "minute": 23}
